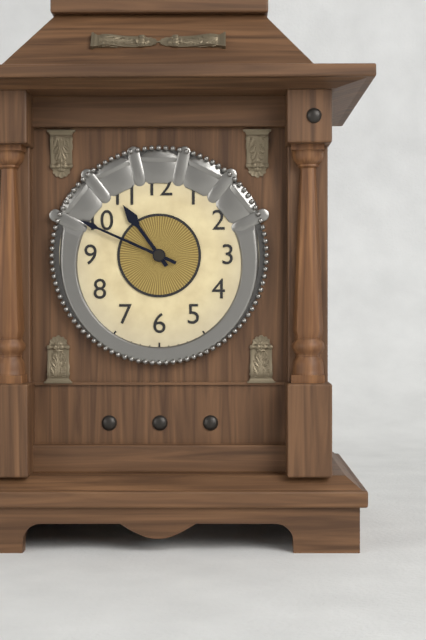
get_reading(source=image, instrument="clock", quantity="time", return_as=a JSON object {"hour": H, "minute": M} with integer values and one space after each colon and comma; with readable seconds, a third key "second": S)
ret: {"hour": 10, "minute": 49}
